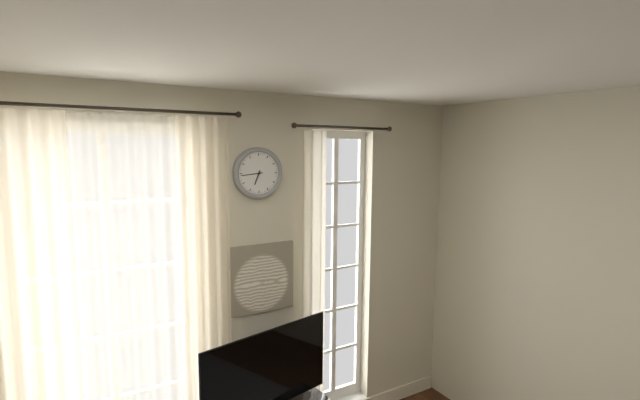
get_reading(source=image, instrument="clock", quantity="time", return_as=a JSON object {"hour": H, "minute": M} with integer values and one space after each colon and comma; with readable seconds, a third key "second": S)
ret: {"hour": 6, "minute": 44}
